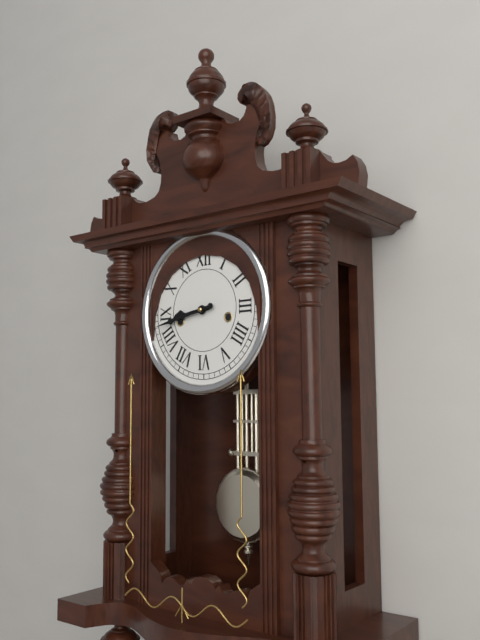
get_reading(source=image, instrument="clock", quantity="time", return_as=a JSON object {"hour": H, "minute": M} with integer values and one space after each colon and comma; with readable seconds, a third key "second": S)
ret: {"hour": 8, "minute": 43}
